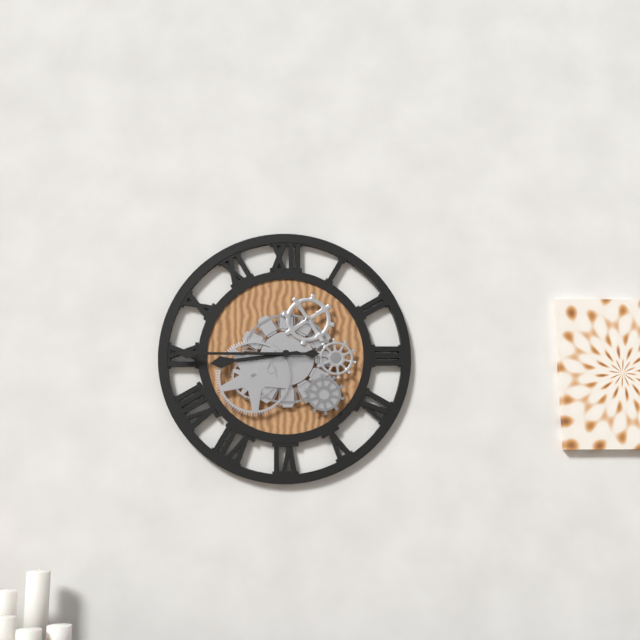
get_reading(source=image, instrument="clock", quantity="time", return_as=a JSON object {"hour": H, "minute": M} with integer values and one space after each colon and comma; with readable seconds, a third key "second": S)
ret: {"hour": 8, "minute": 45}
